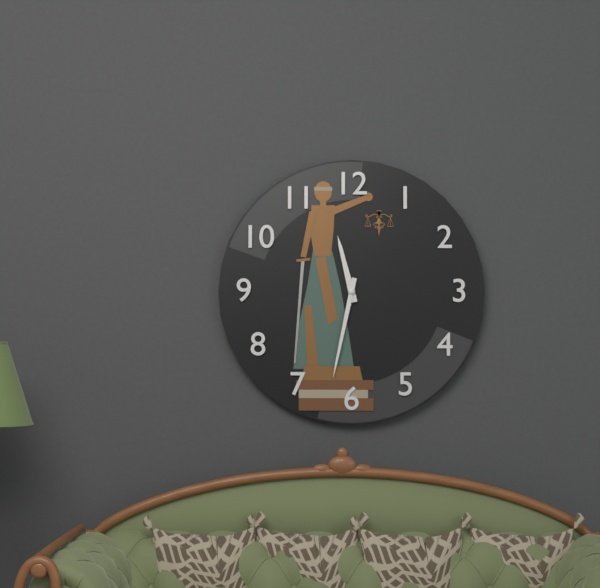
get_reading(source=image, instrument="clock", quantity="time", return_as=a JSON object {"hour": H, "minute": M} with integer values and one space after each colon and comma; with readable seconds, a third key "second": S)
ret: {"hour": 11, "minute": 32}
